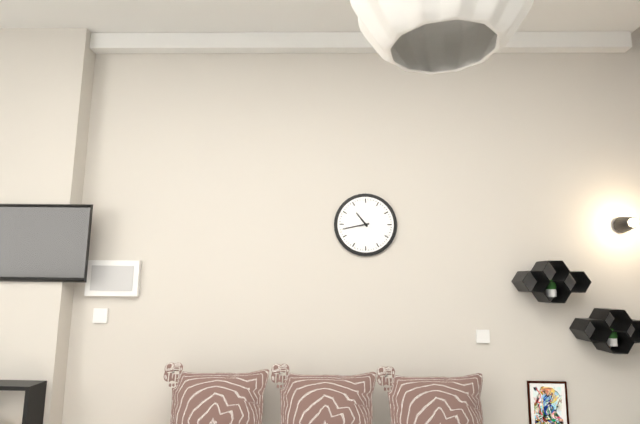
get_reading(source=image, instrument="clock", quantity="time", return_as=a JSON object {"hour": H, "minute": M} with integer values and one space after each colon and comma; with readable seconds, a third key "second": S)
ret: {"hour": 10, "minute": 43}
